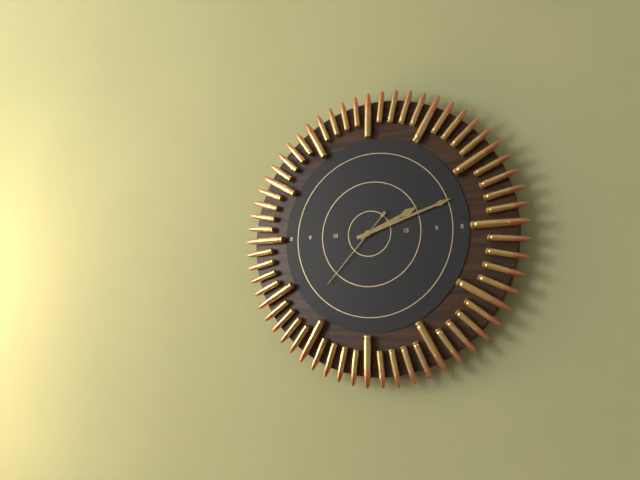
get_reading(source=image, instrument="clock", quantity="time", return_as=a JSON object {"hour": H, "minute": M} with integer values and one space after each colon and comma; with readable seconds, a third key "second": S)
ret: {"hour": 2, "minute": 12, "second": 37}
